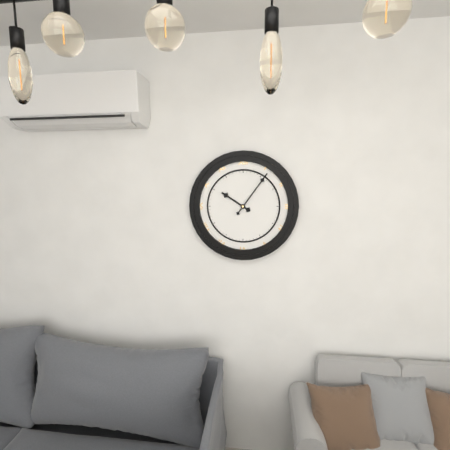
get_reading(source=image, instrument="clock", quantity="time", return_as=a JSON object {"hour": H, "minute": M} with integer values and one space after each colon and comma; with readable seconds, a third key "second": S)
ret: {"hour": 10, "minute": 6}
